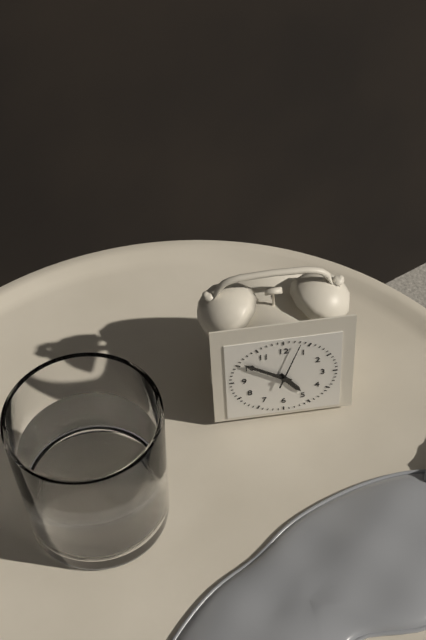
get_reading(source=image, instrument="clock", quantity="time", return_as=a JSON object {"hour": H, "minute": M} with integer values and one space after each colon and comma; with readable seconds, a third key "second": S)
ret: {"hour": 4, "minute": 51}
